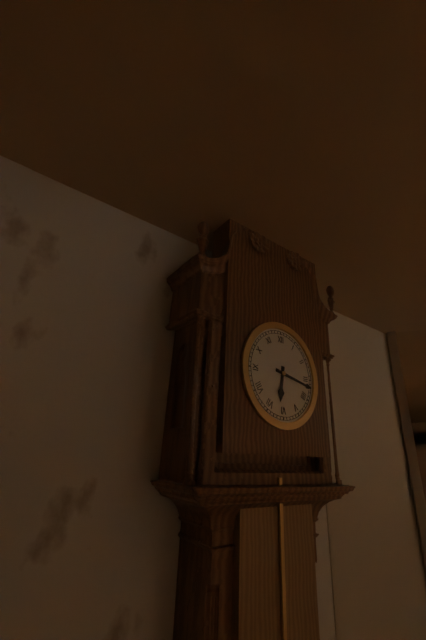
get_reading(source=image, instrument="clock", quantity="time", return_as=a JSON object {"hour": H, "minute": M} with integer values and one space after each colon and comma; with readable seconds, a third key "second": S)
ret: {"hour": 6, "minute": 17}
